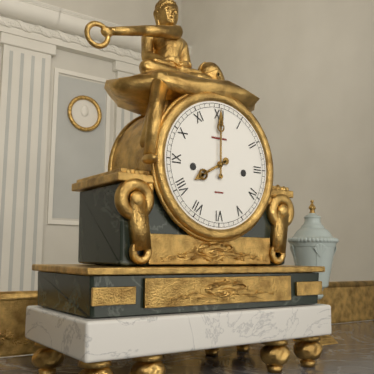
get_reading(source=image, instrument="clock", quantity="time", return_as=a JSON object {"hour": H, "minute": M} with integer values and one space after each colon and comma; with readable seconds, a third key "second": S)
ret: {"hour": 8, "minute": 0}
